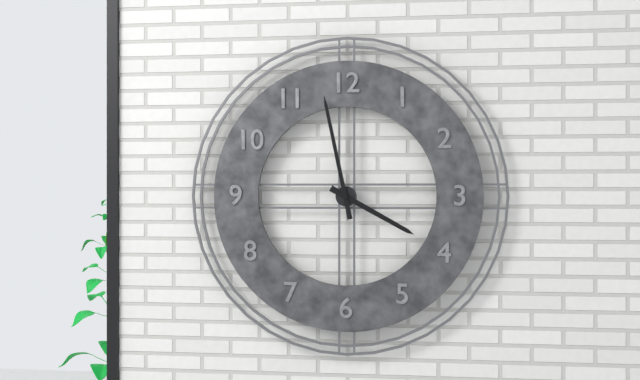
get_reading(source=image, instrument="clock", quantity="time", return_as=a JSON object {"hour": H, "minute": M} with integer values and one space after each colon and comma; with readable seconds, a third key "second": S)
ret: {"hour": 3, "minute": 58}
